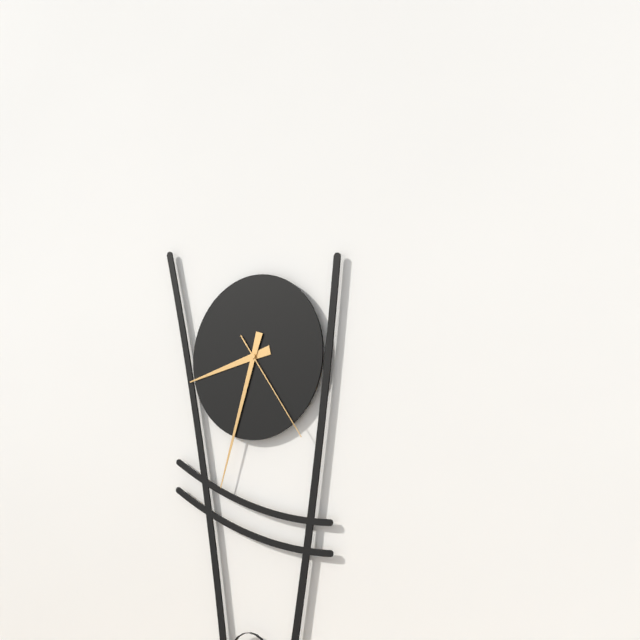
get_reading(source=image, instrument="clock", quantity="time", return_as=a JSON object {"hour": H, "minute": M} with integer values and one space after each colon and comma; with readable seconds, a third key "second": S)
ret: {"hour": 8, "minute": 33, "second": 24}
